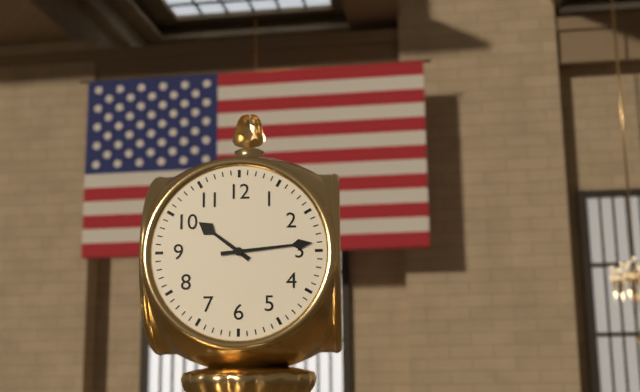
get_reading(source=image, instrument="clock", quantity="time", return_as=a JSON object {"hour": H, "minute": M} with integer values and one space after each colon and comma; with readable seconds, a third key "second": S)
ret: {"hour": 10, "minute": 14}
